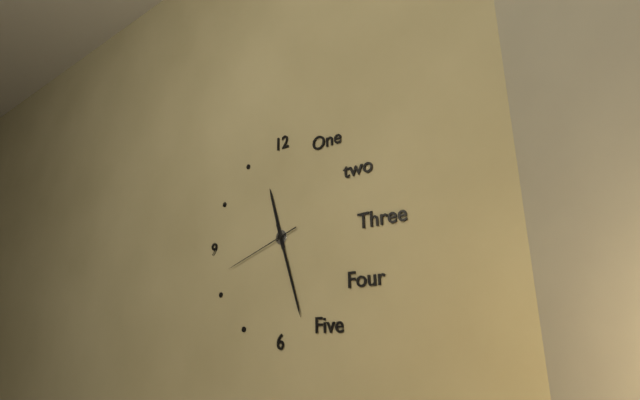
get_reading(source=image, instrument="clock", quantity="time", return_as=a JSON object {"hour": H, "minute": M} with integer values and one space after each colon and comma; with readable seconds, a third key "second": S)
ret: {"hour": 11, "minute": 27, "second": 42}
